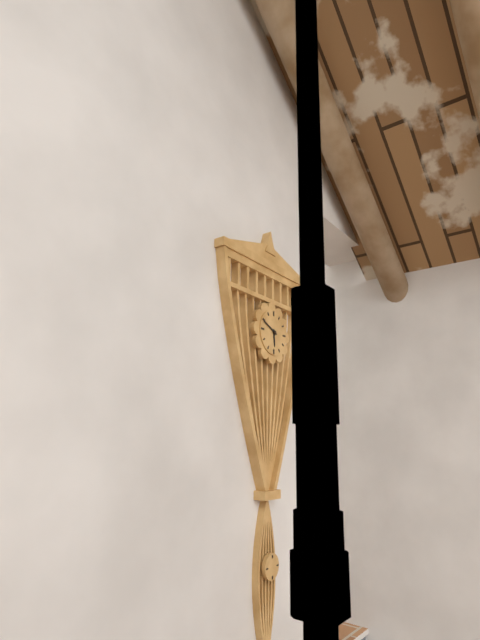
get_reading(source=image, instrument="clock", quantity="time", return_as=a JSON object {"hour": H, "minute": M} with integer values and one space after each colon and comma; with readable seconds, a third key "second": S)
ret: {"hour": 5, "minute": 49}
